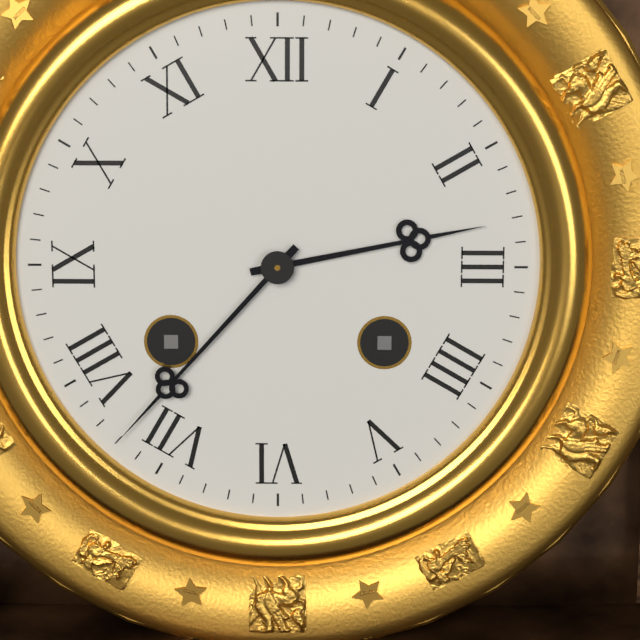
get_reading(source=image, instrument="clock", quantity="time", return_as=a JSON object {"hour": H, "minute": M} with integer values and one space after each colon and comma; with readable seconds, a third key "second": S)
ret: {"hour": 2, "minute": 37}
